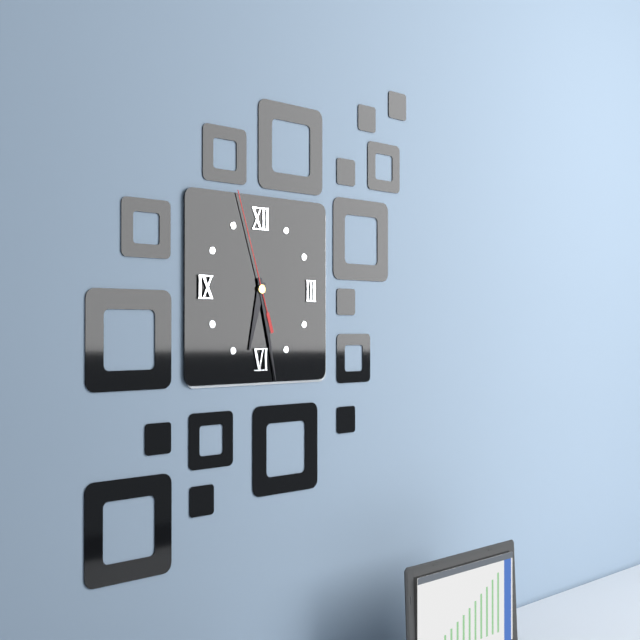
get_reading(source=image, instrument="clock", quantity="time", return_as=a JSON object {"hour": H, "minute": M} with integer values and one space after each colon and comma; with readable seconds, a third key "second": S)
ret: {"hour": 6, "minute": 28, "second": 57}
